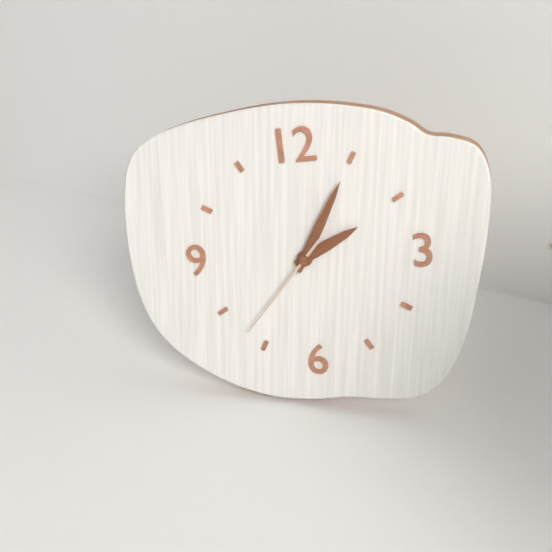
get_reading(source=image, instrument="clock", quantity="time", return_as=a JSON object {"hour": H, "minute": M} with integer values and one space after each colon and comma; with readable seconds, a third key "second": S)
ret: {"hour": 2, "minute": 5, "second": 37}
